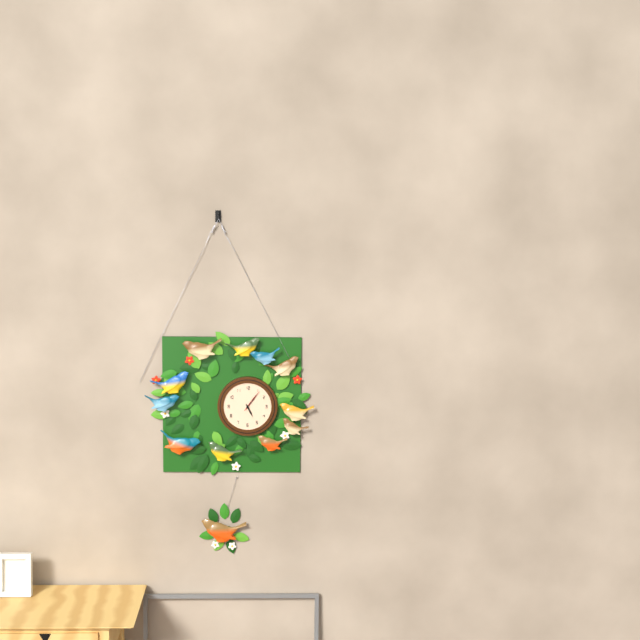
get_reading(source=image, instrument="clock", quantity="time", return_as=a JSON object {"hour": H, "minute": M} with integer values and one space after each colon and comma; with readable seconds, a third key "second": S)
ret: {"hour": 5, "minute": 6}
